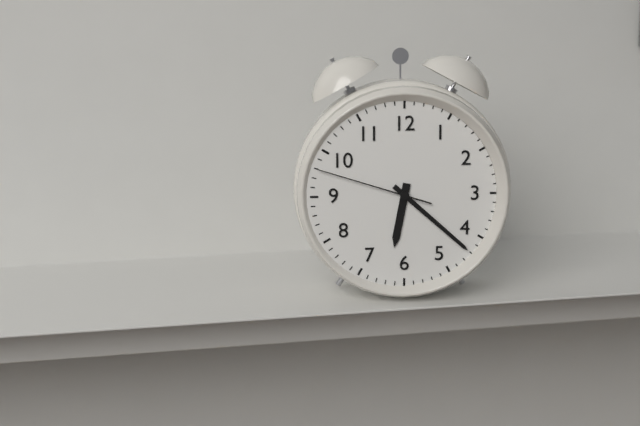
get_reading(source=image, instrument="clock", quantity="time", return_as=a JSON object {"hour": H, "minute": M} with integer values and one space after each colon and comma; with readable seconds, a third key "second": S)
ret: {"hour": 6, "minute": 22, "second": 48}
